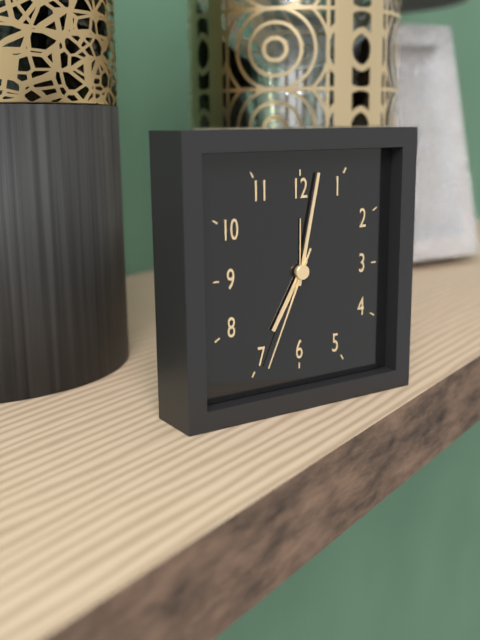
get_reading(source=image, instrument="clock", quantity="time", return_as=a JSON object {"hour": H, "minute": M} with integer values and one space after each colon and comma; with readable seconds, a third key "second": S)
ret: {"hour": 7, "minute": 2, "second": 34}
